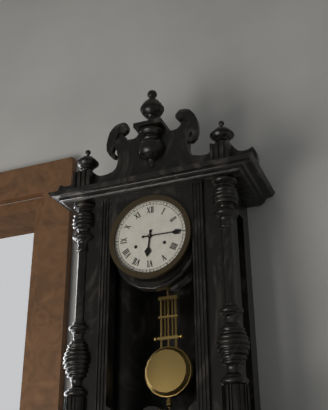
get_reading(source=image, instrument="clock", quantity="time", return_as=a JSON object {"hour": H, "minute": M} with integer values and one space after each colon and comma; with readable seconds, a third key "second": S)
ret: {"hour": 6, "minute": 15}
